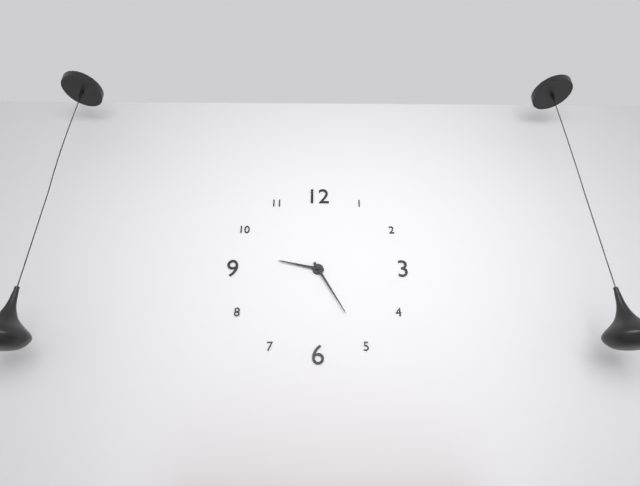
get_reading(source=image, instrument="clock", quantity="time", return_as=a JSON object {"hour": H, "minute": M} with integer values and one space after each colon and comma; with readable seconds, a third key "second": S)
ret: {"hour": 9, "minute": 25}
